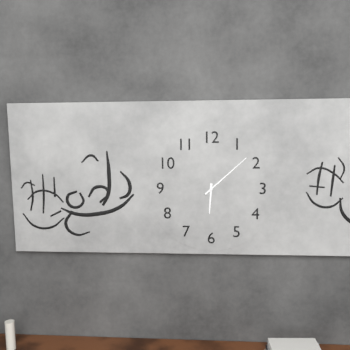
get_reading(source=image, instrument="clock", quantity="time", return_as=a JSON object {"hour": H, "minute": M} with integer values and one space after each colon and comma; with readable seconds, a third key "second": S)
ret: {"hour": 6, "minute": 8}
